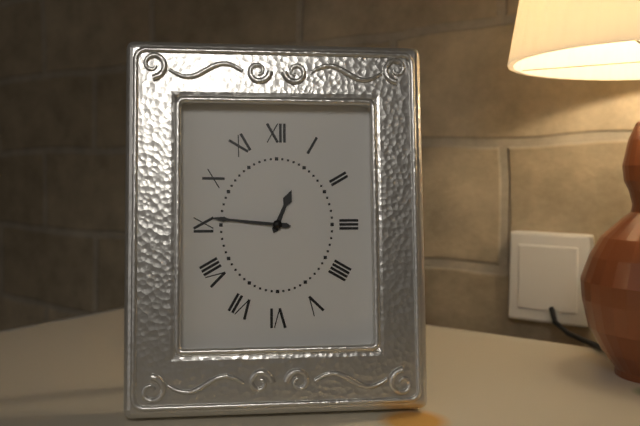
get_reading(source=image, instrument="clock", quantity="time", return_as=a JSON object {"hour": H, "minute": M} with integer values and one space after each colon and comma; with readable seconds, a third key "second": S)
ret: {"hour": 12, "minute": 46}
